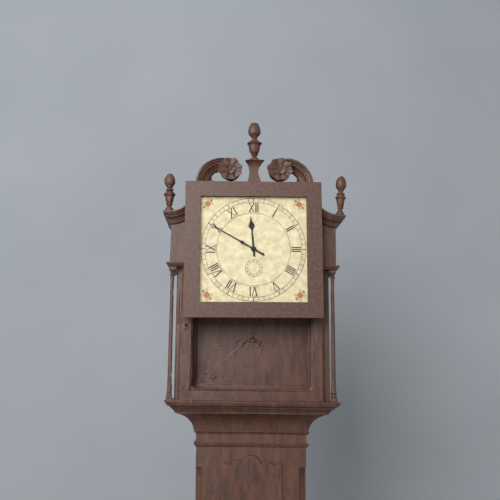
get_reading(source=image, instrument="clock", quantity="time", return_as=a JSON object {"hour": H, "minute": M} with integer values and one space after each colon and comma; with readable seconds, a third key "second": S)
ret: {"hour": 11, "minute": 50}
